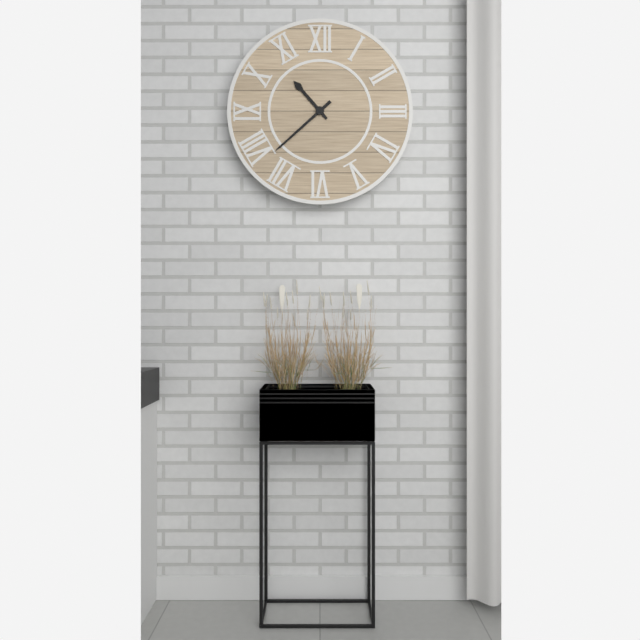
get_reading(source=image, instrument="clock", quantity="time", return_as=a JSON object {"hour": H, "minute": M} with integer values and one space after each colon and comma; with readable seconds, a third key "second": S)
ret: {"hour": 10, "minute": 38}
